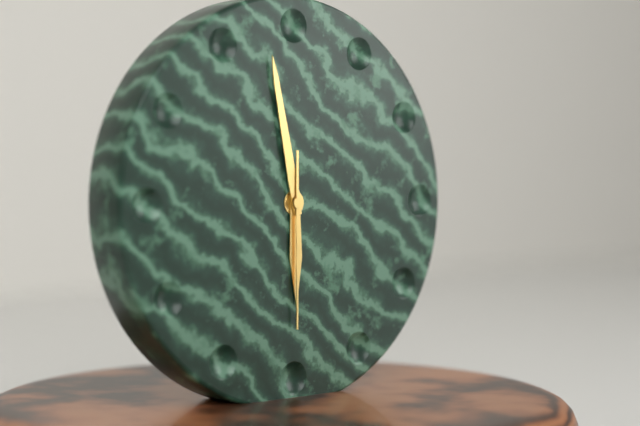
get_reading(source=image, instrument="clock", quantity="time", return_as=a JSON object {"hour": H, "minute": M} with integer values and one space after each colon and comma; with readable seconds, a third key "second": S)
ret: {"hour": 5, "minute": 58, "second": 30}
